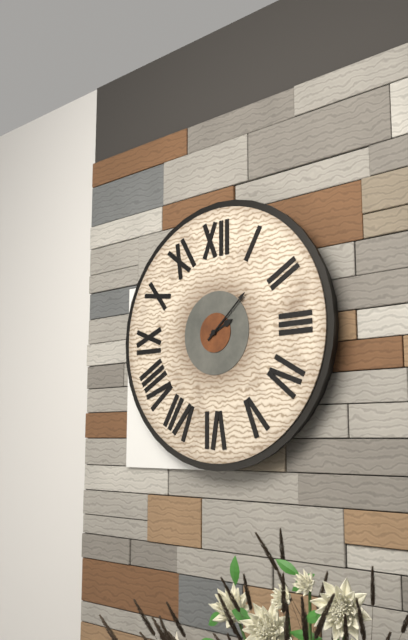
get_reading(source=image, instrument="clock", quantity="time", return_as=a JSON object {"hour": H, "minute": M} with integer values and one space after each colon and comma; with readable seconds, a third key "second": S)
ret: {"hour": 2, "minute": 8}
